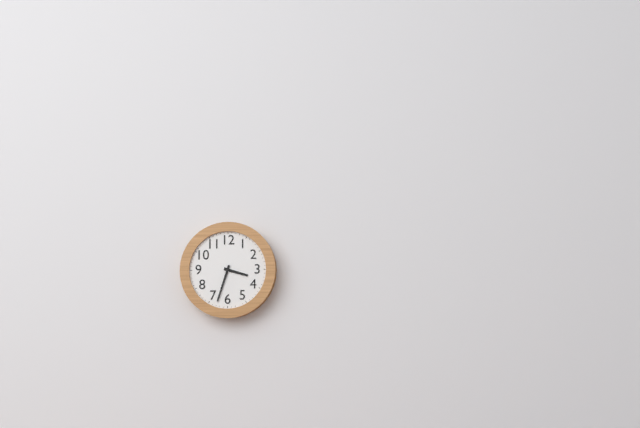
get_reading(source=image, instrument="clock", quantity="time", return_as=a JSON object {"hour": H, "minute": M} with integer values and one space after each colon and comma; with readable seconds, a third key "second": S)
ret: {"hour": 3, "minute": 33}
